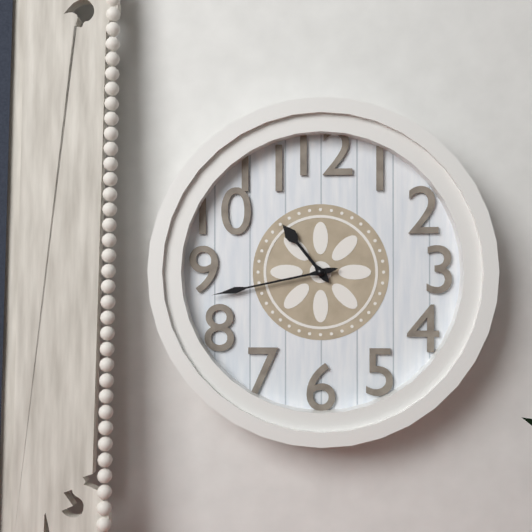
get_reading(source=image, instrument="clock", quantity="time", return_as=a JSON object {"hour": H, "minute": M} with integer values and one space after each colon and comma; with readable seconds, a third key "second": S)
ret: {"hour": 10, "minute": 43}
